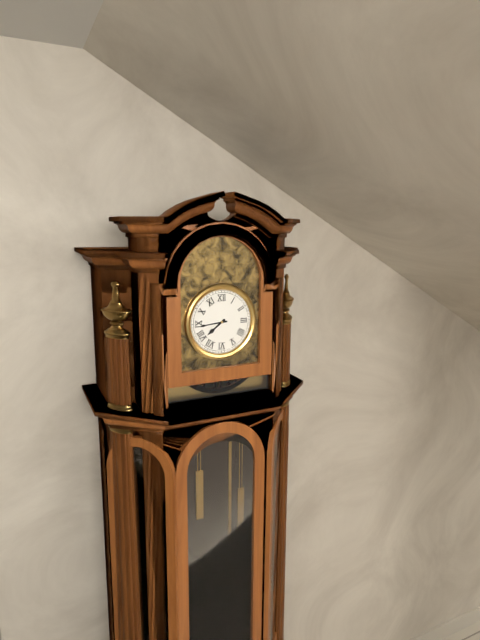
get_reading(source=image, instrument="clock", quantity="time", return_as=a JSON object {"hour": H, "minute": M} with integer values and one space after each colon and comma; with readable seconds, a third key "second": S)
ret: {"hour": 7, "minute": 44}
